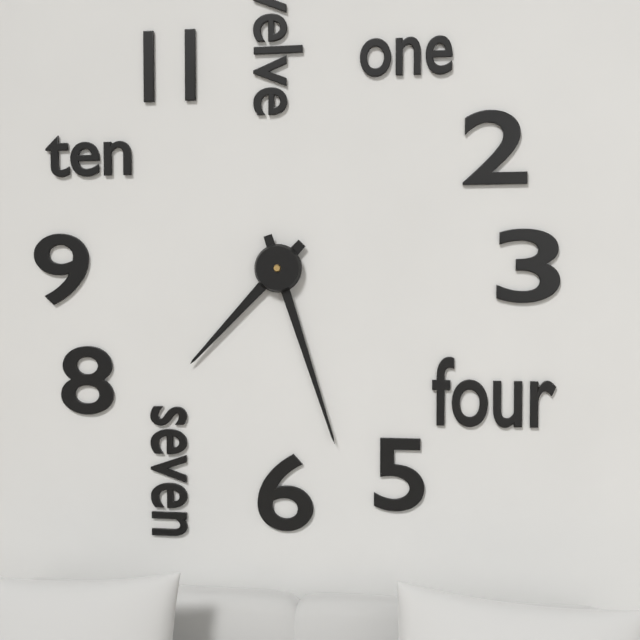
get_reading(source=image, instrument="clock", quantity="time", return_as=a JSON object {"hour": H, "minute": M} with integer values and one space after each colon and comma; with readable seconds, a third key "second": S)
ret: {"hour": 7, "minute": 27}
